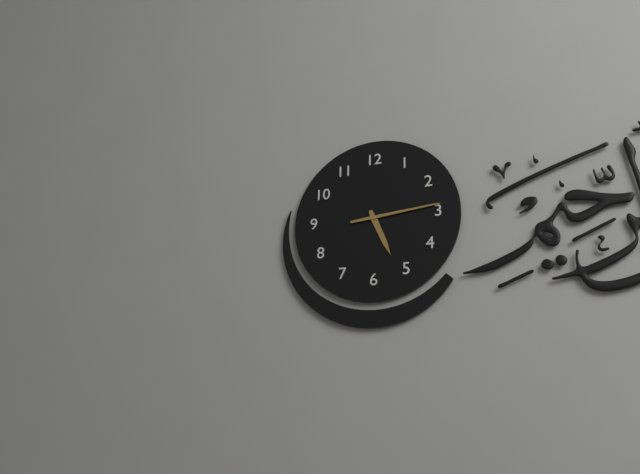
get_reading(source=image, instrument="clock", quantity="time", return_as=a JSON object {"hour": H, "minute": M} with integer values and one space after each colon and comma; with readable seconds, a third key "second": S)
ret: {"hour": 5, "minute": 14}
